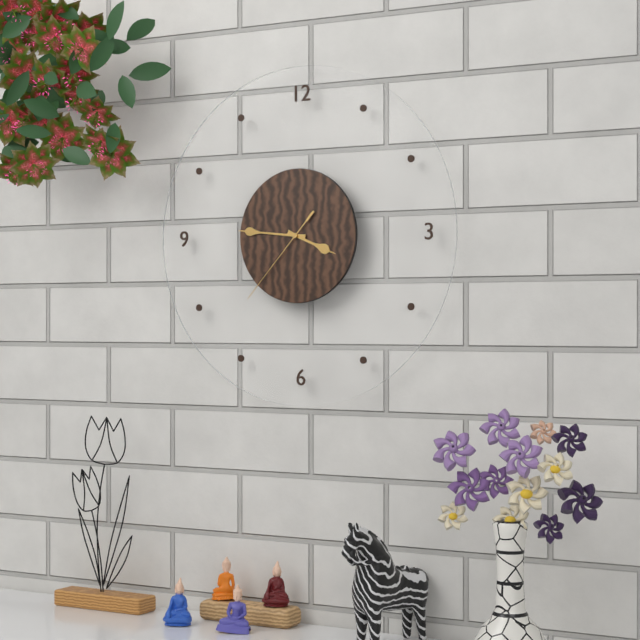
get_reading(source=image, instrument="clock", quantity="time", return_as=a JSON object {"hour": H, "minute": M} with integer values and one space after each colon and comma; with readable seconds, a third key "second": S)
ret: {"hour": 3, "minute": 46, "second": 37}
